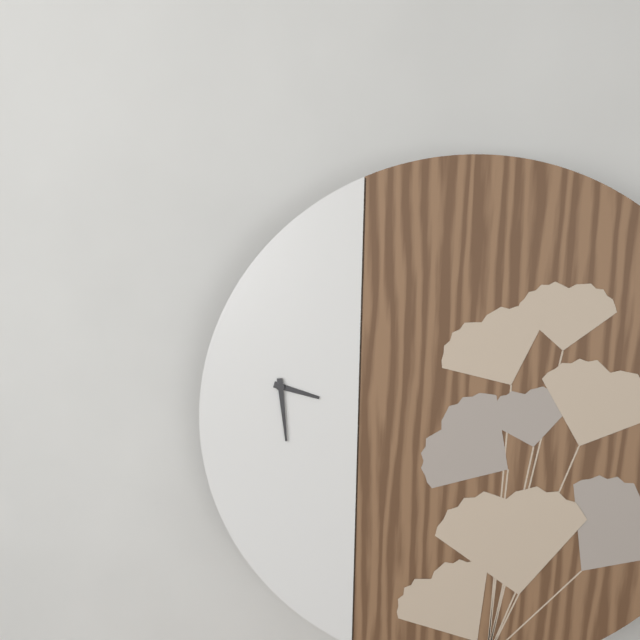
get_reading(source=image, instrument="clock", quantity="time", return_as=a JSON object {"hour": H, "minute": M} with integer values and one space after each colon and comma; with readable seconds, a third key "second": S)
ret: {"hour": 3, "minute": 29}
